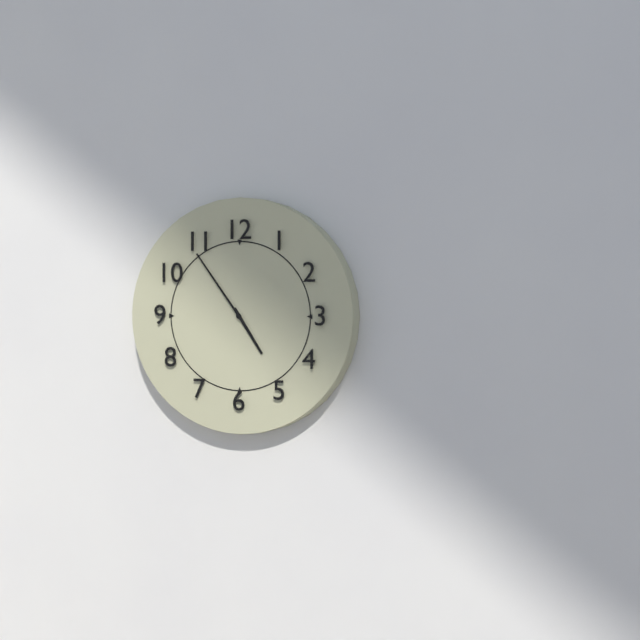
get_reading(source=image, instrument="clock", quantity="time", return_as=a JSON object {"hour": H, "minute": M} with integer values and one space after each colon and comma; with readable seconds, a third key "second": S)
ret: {"hour": 4, "minute": 54}
